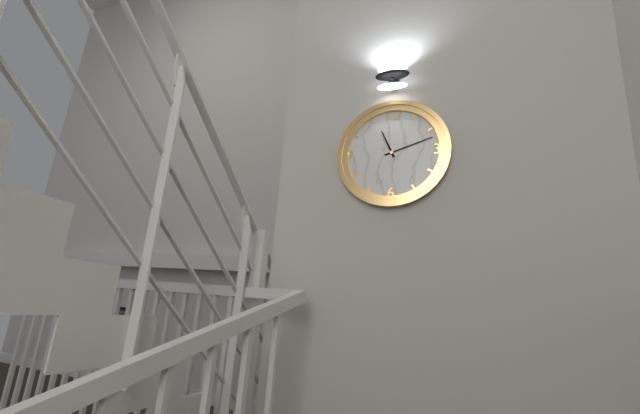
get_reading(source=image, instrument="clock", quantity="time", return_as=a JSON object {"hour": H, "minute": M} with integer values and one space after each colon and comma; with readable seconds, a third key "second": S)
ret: {"hour": 11, "minute": 12}
